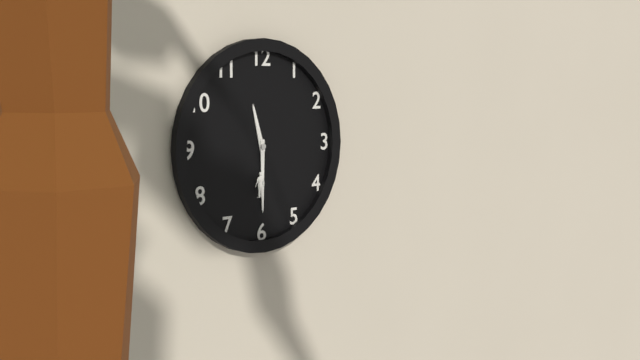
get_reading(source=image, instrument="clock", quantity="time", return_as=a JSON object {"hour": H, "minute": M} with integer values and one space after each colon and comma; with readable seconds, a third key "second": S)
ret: {"hour": 11, "minute": 30}
